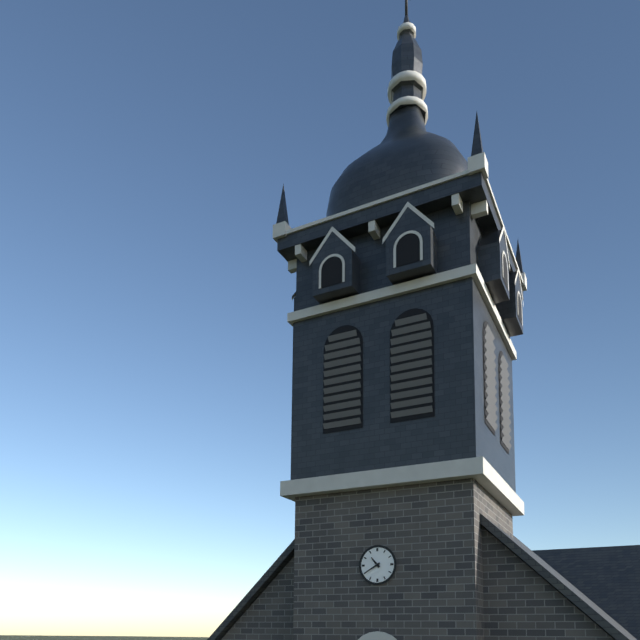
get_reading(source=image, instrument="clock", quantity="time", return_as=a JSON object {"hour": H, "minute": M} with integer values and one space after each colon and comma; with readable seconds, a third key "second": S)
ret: {"hour": 10, "minute": 40}
